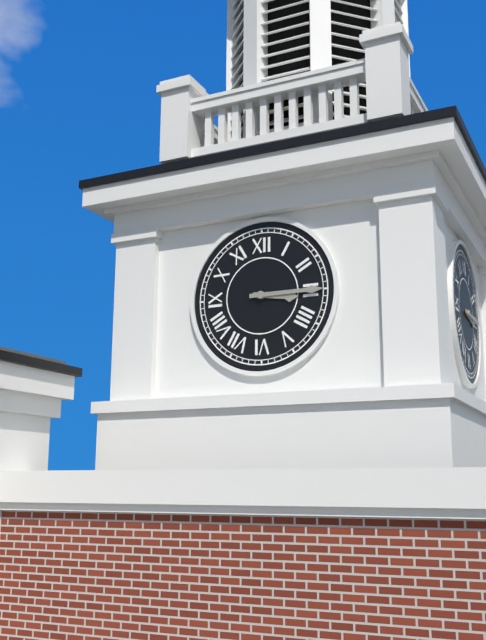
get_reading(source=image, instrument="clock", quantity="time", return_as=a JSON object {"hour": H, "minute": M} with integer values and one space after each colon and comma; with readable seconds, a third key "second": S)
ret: {"hour": 3, "minute": 15}
